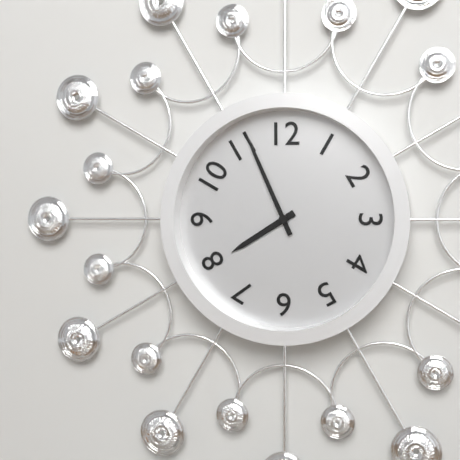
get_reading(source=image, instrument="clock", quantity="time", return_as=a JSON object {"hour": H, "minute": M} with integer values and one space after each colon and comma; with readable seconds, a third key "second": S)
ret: {"hour": 7, "minute": 56}
